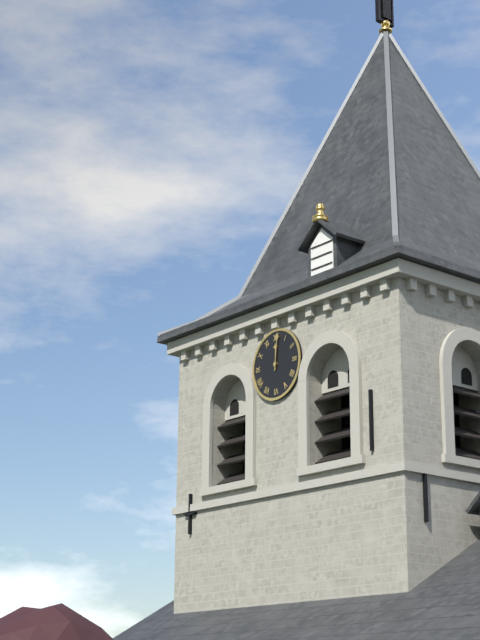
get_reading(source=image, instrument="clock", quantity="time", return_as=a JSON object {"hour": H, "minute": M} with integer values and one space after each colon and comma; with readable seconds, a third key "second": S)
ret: {"hour": 12, "minute": 1}
